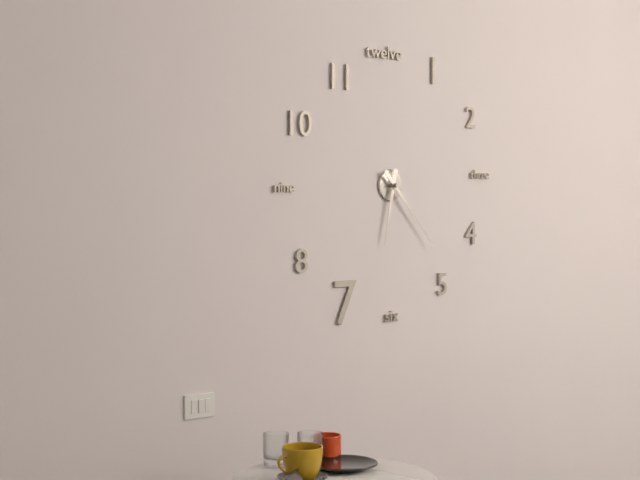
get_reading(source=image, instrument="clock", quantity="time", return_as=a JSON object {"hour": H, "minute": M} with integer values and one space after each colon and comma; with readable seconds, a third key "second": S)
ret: {"hour": 6, "minute": 23}
